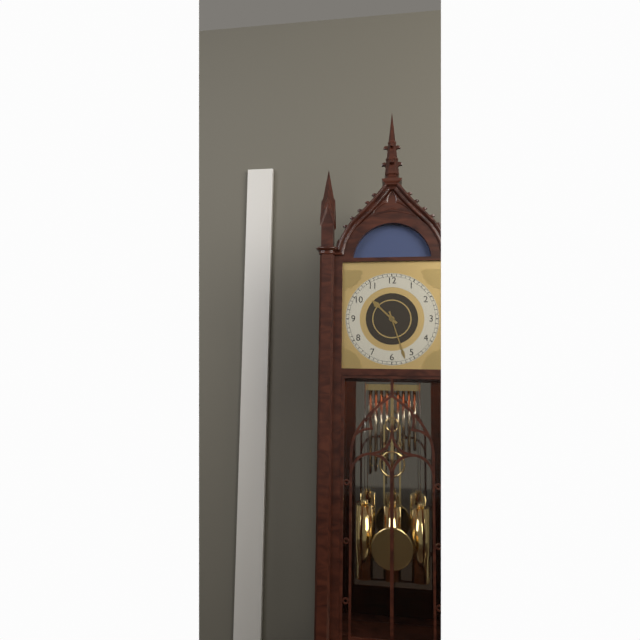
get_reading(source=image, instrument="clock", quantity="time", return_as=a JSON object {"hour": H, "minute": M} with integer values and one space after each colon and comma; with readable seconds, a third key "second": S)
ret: {"hour": 10, "minute": 27}
